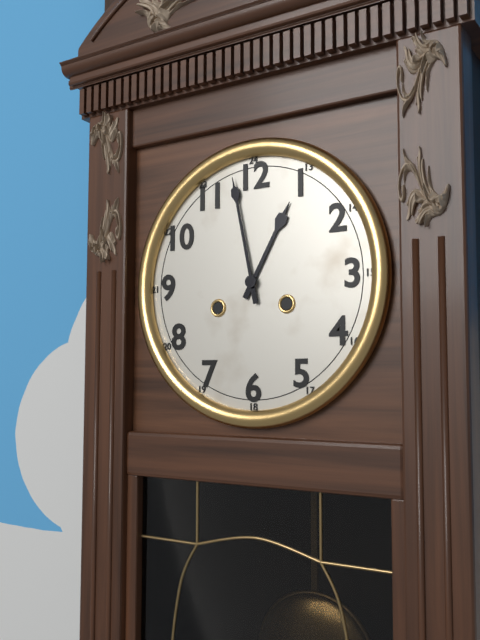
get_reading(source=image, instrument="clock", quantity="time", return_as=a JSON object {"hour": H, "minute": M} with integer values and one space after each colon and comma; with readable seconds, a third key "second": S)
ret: {"hour": 12, "minute": 58}
